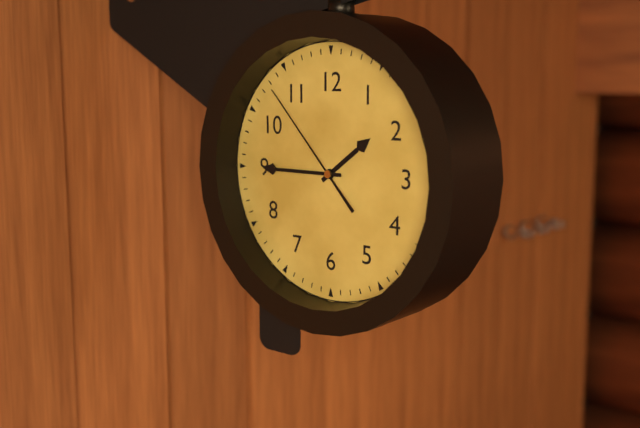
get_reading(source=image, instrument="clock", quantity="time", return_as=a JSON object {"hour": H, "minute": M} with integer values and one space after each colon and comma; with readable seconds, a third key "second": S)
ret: {"hour": 1, "minute": 45, "second": 53}
